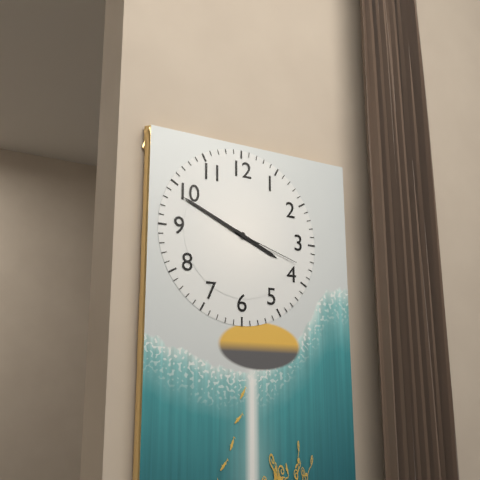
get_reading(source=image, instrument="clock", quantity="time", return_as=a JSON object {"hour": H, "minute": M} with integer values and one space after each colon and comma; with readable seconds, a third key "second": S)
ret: {"hour": 3, "minute": 49, "second": 18}
